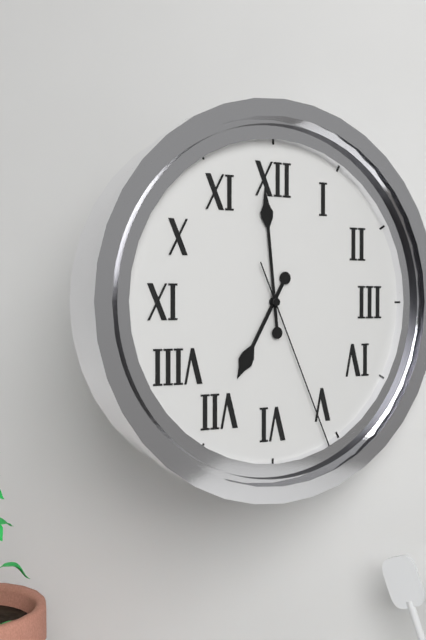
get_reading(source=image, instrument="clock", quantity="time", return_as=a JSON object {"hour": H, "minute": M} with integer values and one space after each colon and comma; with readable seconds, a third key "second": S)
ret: {"hour": 6, "minute": 59, "second": 26}
